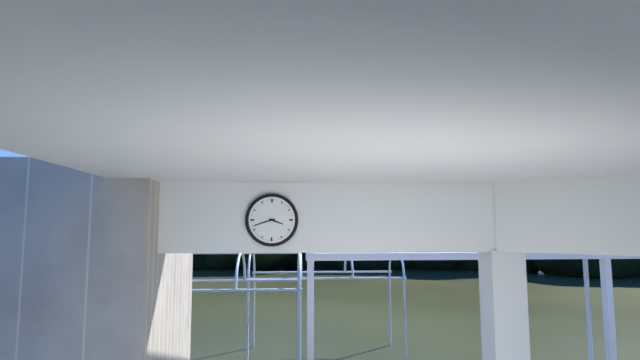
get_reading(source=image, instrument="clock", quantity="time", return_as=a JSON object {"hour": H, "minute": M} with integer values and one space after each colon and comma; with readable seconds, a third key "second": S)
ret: {"hour": 3, "minute": 42}
